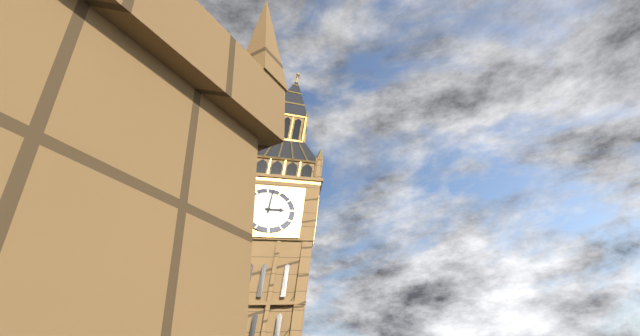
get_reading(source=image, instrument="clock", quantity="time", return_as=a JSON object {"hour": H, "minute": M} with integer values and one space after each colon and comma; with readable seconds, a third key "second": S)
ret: {"hour": 3, "minute": 2}
